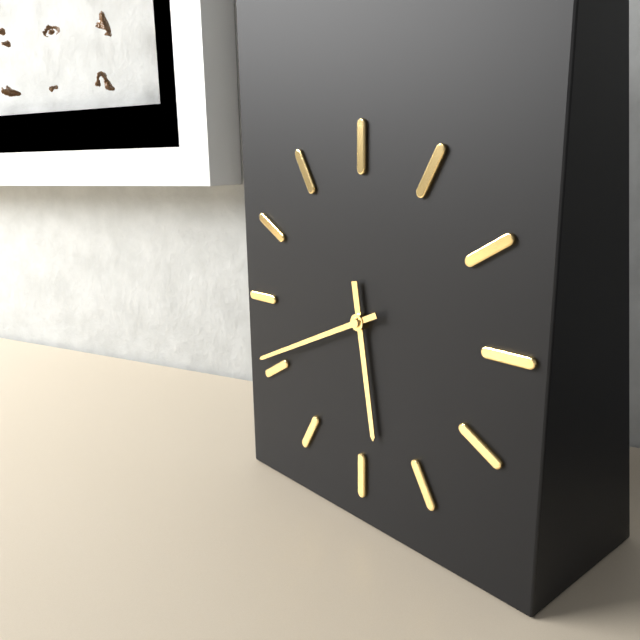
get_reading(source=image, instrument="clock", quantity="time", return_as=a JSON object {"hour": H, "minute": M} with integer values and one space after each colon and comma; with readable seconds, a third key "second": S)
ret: {"hour": 5, "minute": 41}
